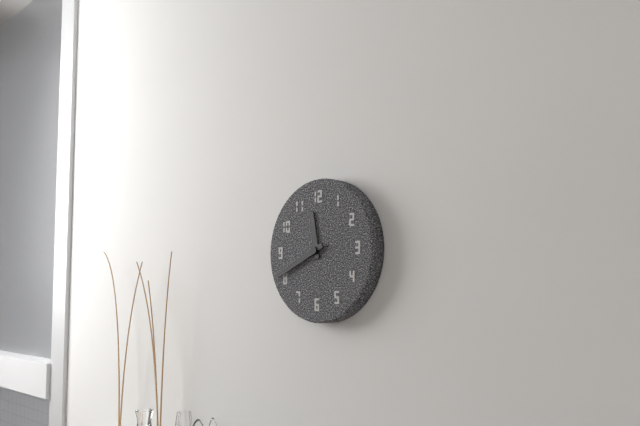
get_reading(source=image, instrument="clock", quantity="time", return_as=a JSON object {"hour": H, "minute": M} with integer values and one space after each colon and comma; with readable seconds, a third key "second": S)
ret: {"hour": 11, "minute": 41}
